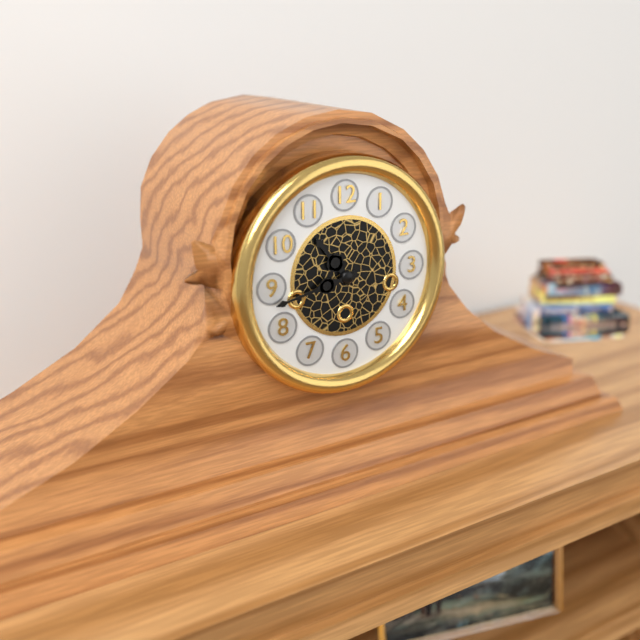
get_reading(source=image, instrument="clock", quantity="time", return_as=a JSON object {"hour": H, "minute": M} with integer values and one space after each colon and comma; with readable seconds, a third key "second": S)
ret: {"hour": 10, "minute": 43}
